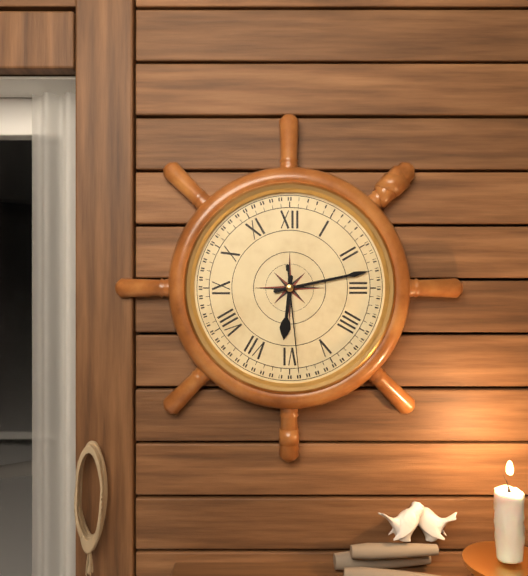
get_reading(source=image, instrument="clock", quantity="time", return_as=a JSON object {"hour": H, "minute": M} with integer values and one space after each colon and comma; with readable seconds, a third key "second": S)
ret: {"hour": 6, "minute": 13, "second": 29}
